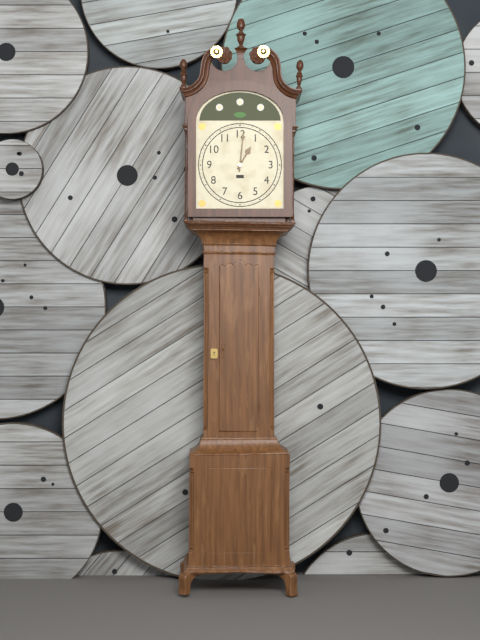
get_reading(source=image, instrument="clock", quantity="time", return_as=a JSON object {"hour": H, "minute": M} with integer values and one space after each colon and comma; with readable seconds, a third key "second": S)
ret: {"hour": 1, "minute": 1}
